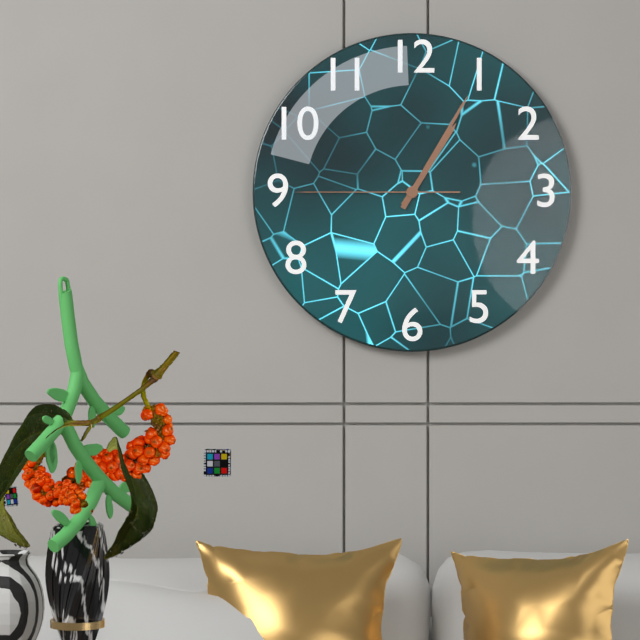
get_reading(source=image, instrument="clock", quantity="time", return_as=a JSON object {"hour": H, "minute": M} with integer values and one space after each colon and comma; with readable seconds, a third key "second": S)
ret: {"hour": 1, "minute": 5, "second": 45}
